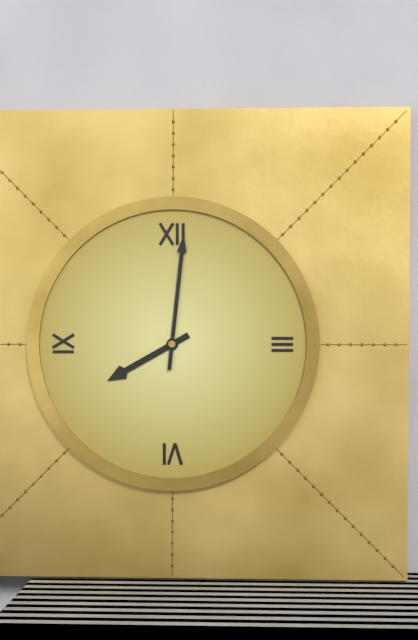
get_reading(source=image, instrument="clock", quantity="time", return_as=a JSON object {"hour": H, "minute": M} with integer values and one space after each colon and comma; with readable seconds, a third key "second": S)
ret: {"hour": 8, "minute": 1}
